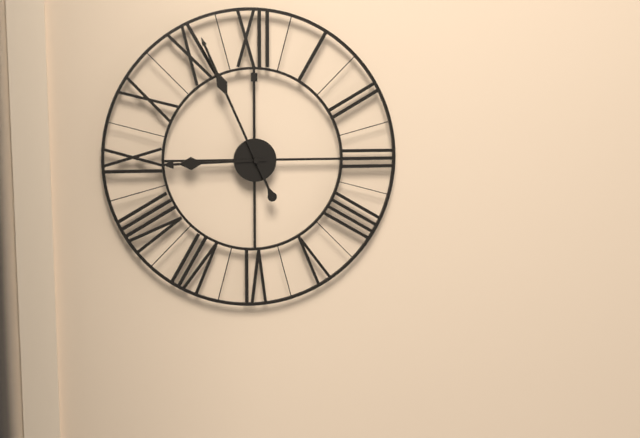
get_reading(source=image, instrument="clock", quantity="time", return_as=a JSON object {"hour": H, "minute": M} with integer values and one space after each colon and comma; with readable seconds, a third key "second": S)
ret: {"hour": 8, "minute": 56}
